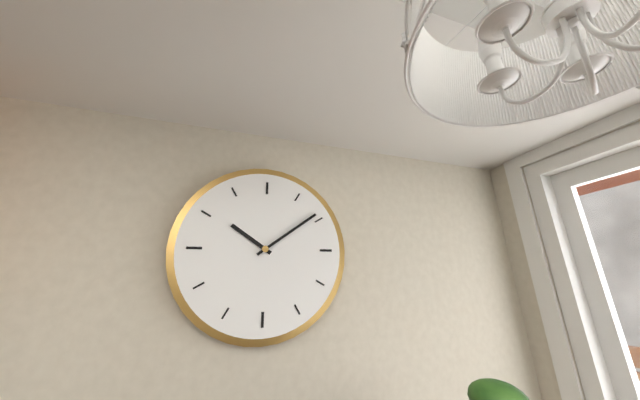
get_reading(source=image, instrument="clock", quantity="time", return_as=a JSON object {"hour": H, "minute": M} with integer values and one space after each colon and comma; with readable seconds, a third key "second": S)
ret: {"hour": 10, "minute": 9}
